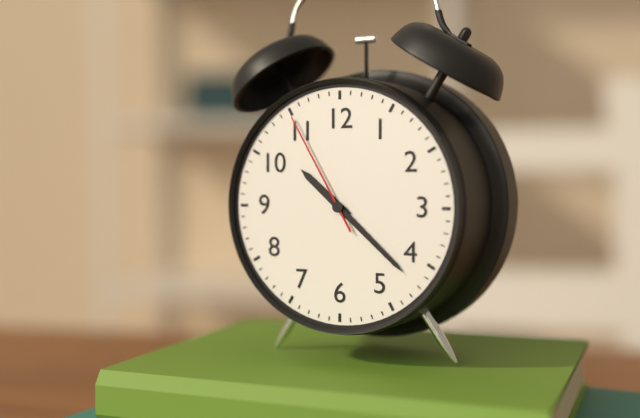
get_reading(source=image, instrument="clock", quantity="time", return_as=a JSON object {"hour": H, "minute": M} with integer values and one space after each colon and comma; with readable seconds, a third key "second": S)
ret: {"hour": 10, "minute": 22, "second": 55}
